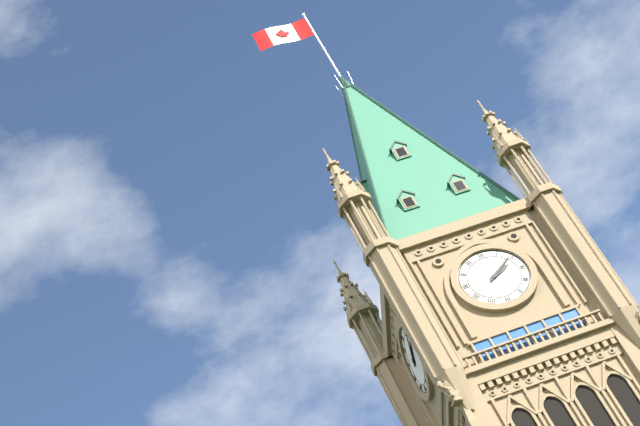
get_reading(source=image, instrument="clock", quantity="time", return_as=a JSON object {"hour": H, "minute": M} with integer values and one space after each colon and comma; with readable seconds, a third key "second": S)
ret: {"hour": 2, "minute": 9}
